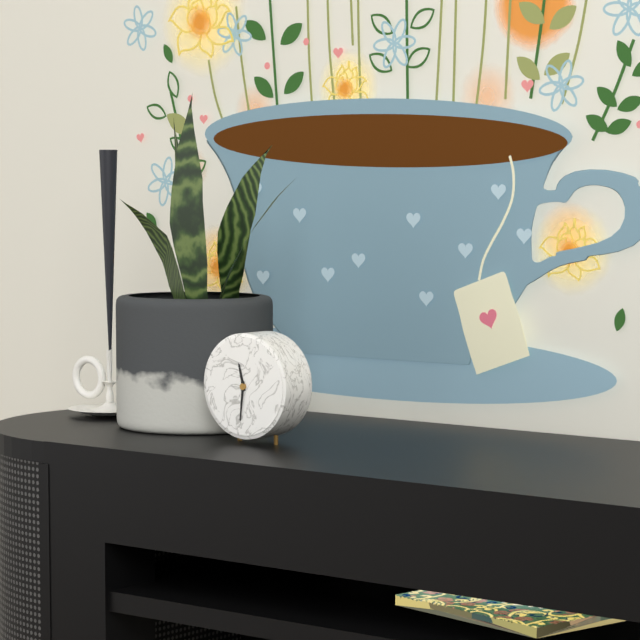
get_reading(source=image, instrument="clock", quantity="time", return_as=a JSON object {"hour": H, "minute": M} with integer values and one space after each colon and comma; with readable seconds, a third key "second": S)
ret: {"hour": 11, "minute": 31}
